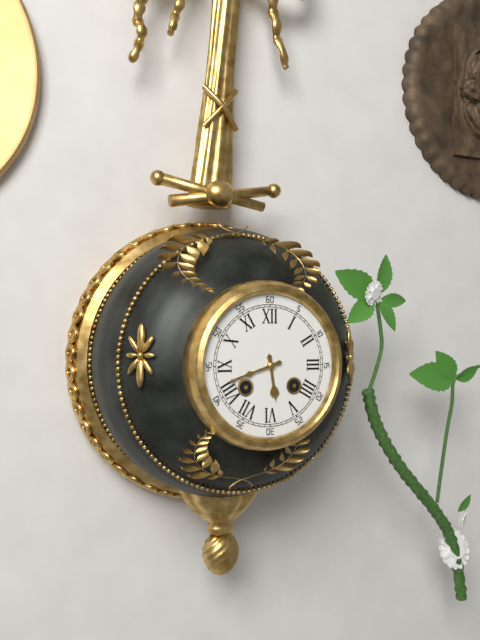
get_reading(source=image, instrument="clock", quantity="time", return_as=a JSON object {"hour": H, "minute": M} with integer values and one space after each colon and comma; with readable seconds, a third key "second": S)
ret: {"hour": 5, "minute": 42}
